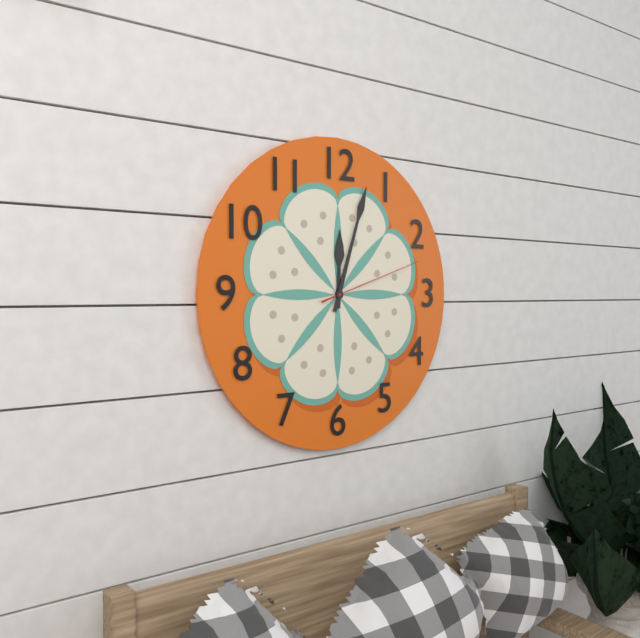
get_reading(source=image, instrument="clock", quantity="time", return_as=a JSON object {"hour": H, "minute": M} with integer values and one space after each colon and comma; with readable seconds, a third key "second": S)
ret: {"hour": 12, "minute": 3, "second": 12}
